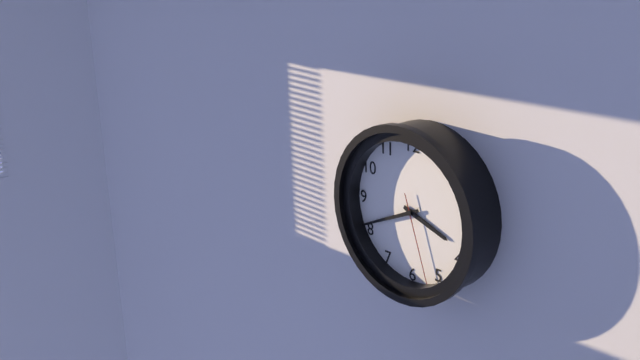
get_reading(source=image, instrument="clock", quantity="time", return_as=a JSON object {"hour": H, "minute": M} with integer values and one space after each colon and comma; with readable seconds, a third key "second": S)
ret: {"hour": 3, "minute": 41, "second": 27}
